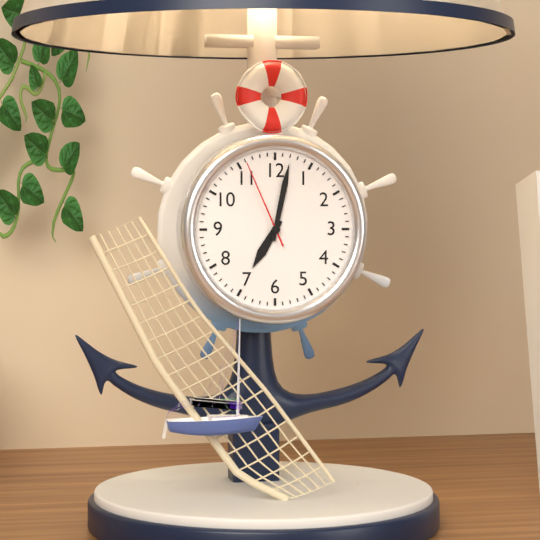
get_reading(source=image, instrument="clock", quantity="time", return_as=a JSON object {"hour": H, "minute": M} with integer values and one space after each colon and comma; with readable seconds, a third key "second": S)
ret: {"hour": 7, "minute": 2, "second": 56}
